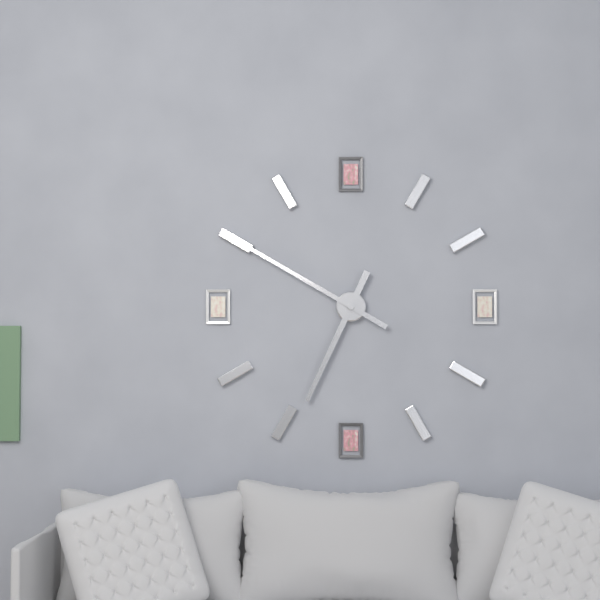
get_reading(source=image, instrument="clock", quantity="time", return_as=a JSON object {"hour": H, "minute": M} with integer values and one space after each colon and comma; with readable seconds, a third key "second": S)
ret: {"hour": 6, "minute": 50}
